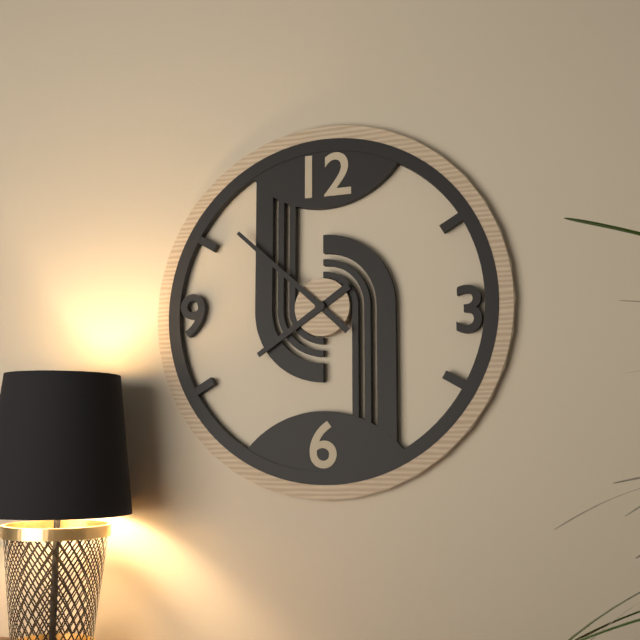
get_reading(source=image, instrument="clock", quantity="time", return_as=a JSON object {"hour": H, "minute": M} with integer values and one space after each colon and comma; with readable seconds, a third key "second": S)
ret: {"hour": 7, "minute": 52}
